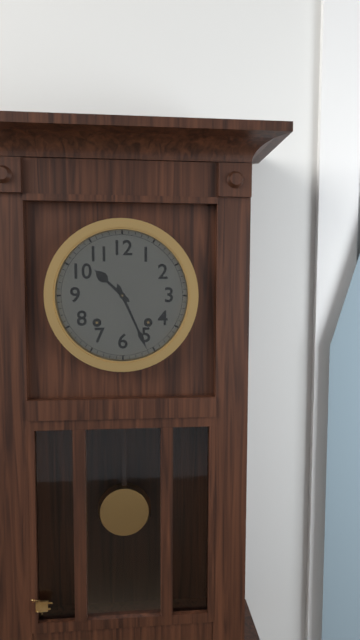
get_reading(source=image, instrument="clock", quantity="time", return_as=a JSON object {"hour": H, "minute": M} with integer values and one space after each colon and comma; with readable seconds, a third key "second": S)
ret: {"hour": 10, "minute": 26}
